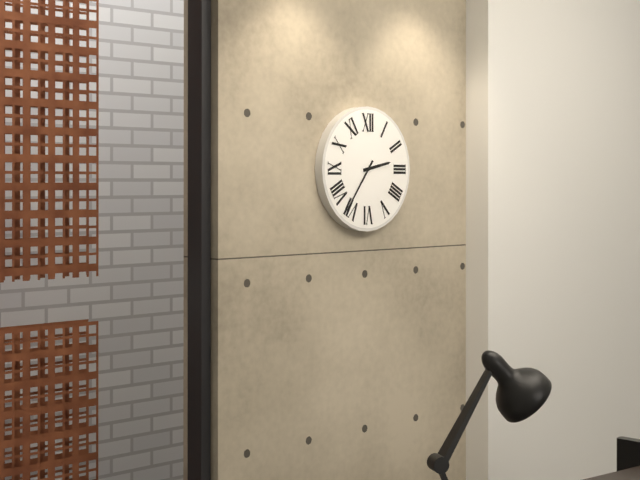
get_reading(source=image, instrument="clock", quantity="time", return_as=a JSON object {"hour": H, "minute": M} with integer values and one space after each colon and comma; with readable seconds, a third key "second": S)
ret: {"hour": 2, "minute": 36}
